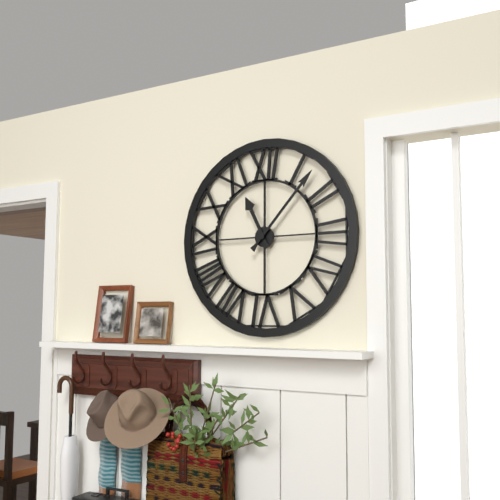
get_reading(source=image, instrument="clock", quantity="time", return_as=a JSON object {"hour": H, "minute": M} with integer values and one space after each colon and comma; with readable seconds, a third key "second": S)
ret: {"hour": 11, "minute": 7}
